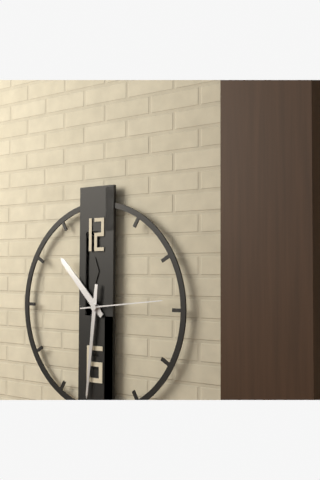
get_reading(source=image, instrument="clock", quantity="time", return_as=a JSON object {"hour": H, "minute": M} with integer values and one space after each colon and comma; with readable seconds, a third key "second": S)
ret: {"hour": 10, "minute": 31, "second": 14}
